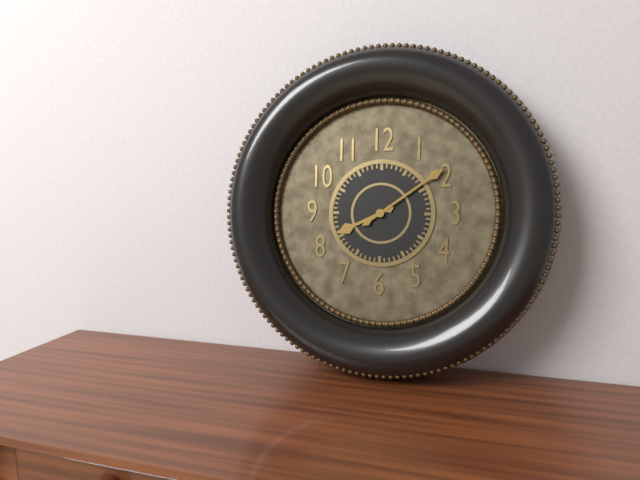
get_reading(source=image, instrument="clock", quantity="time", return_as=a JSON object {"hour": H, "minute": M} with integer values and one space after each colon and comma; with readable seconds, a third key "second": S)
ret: {"hour": 8, "minute": 9}
